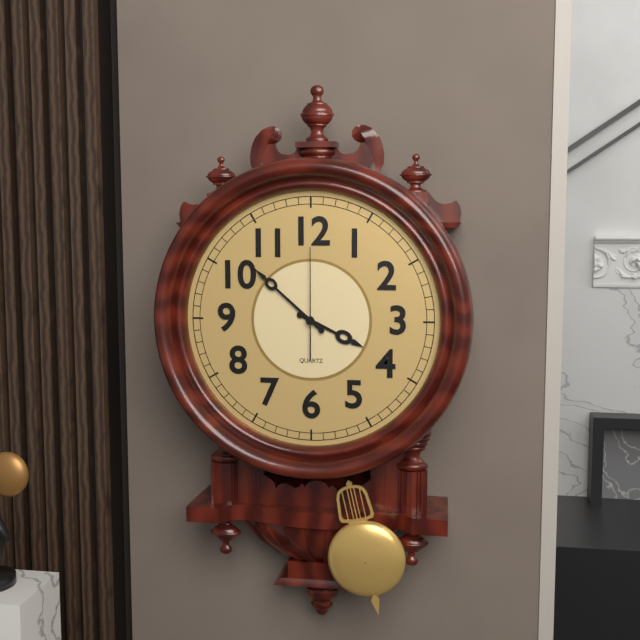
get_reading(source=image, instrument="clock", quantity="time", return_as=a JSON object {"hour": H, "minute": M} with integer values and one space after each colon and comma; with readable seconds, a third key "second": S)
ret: {"hour": 3, "minute": 52, "second": 0}
